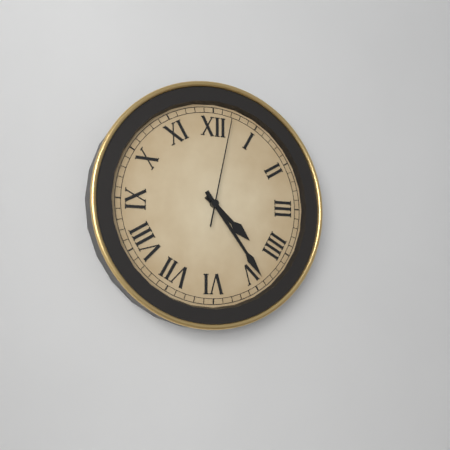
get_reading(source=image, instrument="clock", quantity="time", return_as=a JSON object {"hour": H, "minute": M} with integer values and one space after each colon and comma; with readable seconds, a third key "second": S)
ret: {"hour": 4, "minute": 24, "second": 2}
